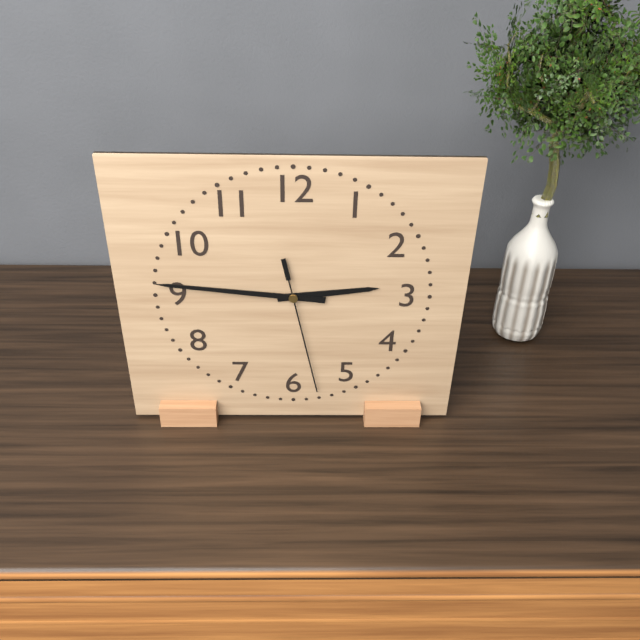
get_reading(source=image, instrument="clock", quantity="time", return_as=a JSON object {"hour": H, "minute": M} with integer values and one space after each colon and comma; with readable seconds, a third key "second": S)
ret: {"hour": 2, "minute": 46, "second": 28}
